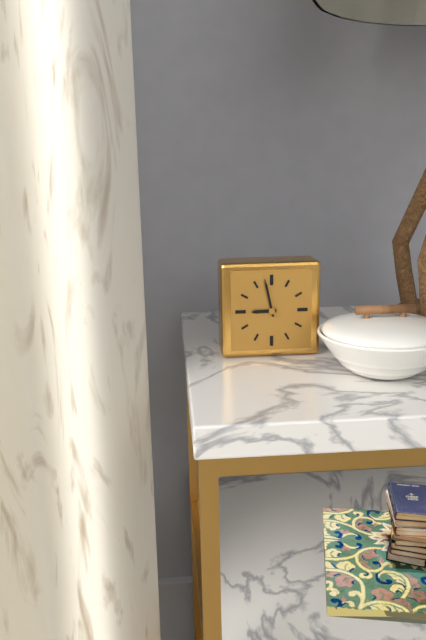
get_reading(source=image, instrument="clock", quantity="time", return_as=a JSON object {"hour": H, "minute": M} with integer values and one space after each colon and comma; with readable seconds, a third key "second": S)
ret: {"hour": 8, "minute": 58}
